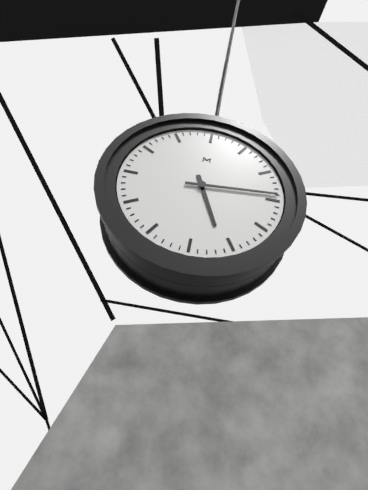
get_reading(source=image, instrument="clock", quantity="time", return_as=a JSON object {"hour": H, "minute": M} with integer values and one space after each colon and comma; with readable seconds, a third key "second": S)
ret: {"hour": 5, "minute": 14}
